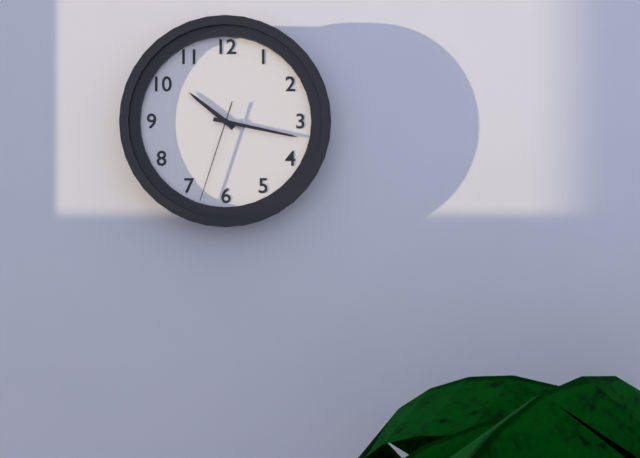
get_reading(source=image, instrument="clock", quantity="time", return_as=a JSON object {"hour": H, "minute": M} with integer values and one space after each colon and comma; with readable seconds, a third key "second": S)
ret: {"hour": 10, "minute": 17, "second": 33}
